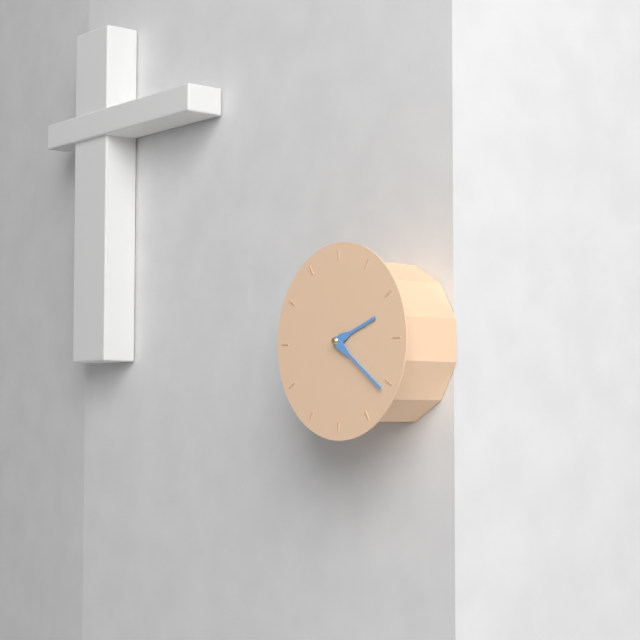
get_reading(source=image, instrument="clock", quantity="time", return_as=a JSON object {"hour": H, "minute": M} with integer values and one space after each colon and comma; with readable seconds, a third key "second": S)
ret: {"hour": 2, "minute": 21}
